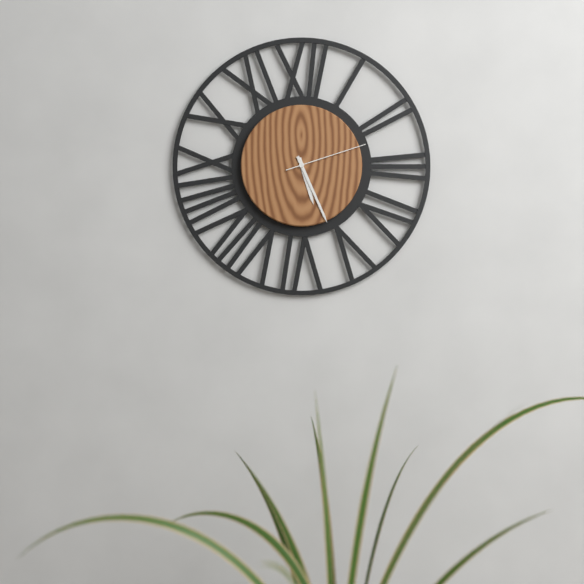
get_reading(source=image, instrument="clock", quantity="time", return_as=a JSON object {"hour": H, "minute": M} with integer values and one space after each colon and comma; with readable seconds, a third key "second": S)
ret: {"hour": 5, "minute": 26, "second": 12}
